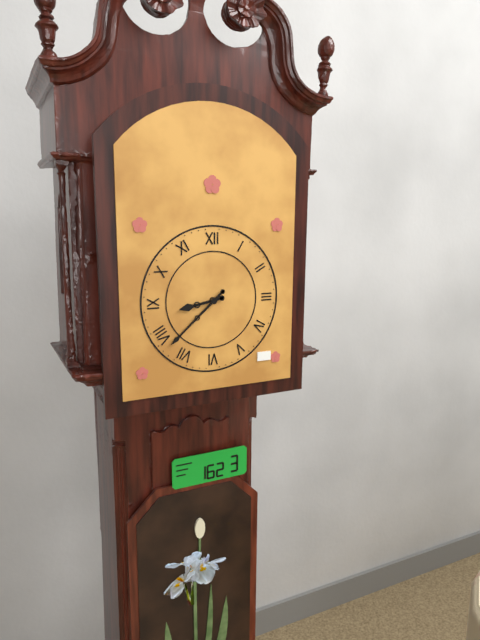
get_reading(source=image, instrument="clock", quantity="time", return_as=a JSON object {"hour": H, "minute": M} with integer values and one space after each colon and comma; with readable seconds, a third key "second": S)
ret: {"hour": 8, "minute": 38}
